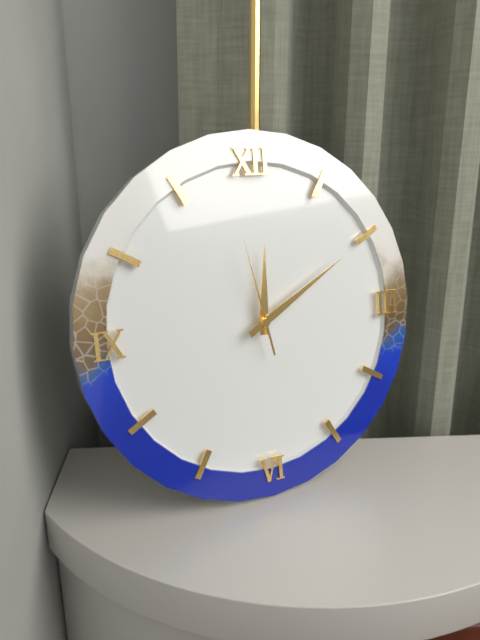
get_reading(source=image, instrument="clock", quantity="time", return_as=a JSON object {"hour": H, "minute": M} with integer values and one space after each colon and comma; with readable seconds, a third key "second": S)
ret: {"hour": 12, "minute": 10, "second": 58}
